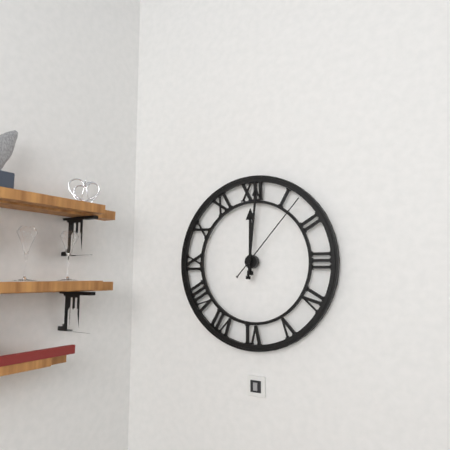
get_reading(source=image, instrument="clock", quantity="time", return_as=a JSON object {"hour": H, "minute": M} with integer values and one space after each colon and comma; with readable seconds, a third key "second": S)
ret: {"hour": 12, "minute": 1, "second": 7}
